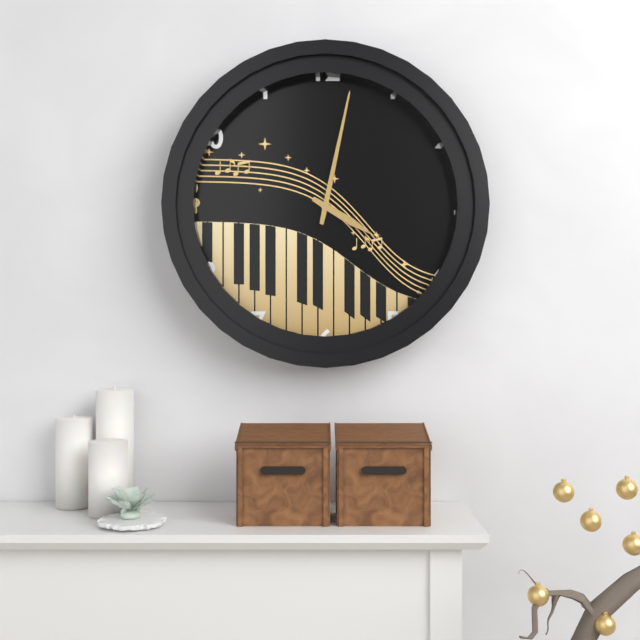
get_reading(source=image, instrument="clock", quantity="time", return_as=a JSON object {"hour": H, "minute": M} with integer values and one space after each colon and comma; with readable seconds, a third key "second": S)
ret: {"hour": 4, "minute": 2}
